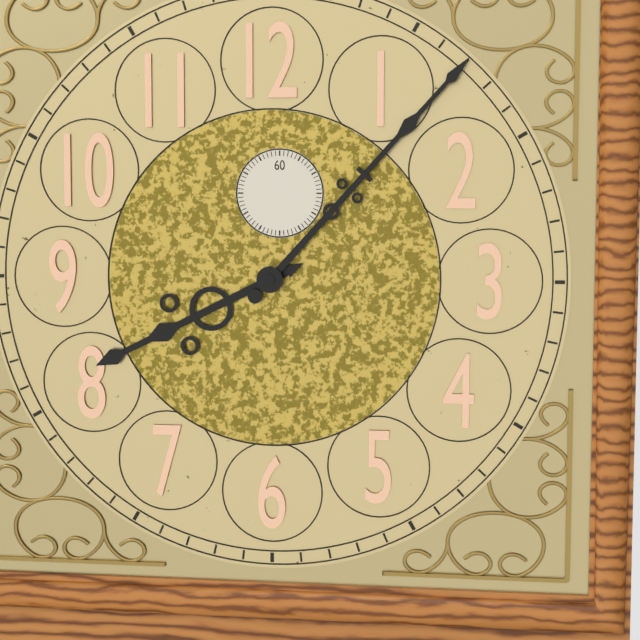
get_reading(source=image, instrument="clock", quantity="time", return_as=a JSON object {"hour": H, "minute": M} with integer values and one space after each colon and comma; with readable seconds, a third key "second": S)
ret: {"hour": 8, "minute": 7}
